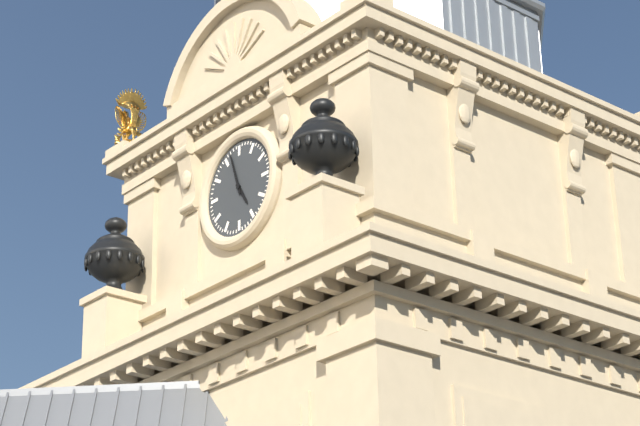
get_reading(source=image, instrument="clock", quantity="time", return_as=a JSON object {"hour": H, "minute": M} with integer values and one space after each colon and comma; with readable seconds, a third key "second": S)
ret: {"hour": 4, "minute": 57}
